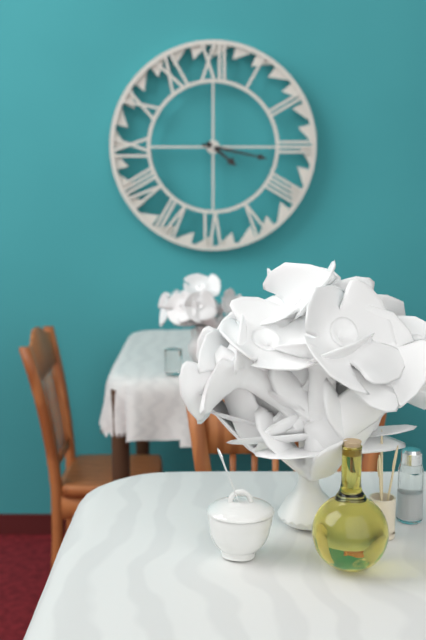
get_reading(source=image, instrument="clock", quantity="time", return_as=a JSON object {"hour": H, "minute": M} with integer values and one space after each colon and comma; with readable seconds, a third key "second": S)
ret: {"hour": 4, "minute": 17}
